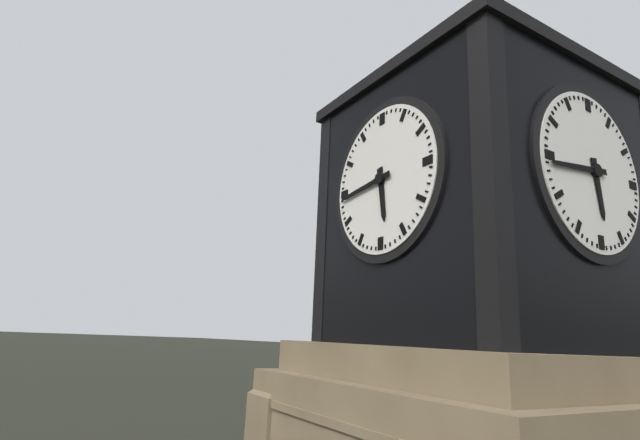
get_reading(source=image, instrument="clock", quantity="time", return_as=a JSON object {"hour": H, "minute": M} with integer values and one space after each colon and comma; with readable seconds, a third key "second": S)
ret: {"hour": 5, "minute": 44}
